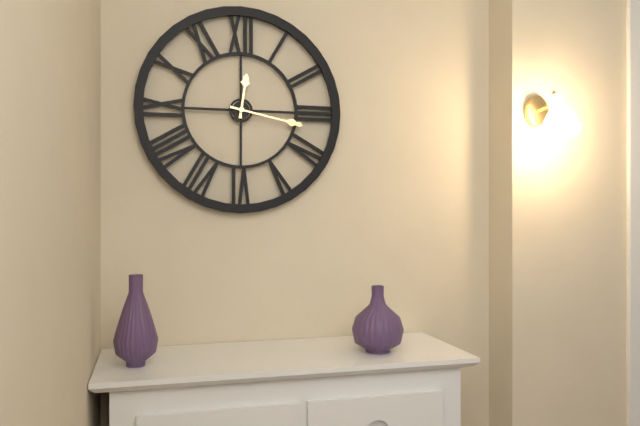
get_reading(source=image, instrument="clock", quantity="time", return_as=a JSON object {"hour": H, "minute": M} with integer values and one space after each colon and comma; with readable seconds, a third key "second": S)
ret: {"hour": 12, "minute": 17}
